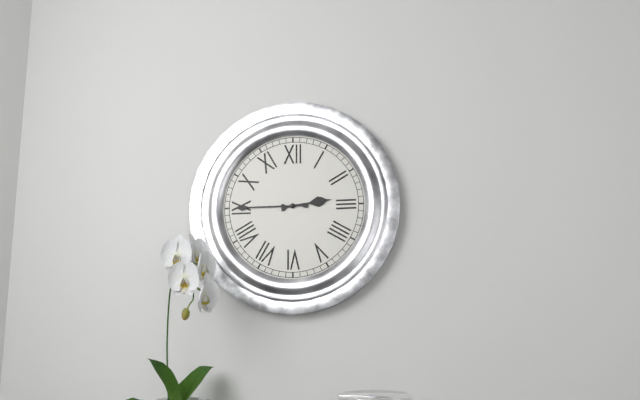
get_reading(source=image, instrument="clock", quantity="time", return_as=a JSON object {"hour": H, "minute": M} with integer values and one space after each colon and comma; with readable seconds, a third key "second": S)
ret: {"hour": 2, "minute": 45}
